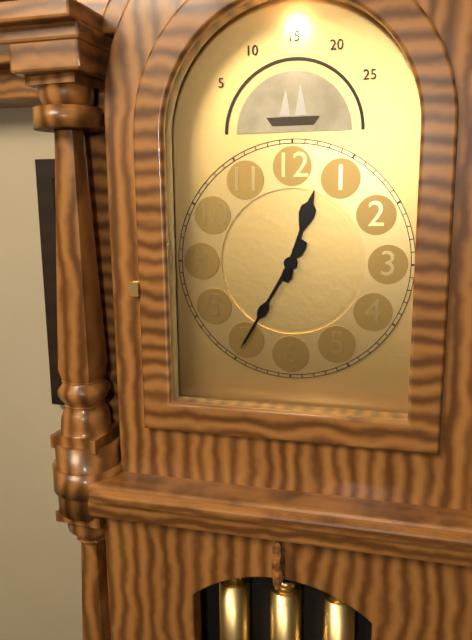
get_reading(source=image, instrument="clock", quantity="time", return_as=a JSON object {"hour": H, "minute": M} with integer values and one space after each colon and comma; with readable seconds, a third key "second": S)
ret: {"hour": 12, "minute": 35}
